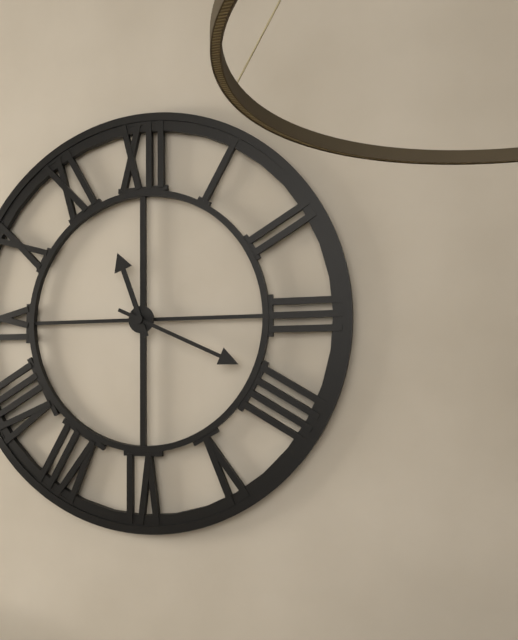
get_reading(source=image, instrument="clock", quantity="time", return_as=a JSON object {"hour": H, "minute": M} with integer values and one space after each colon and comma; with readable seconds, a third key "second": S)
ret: {"hour": 11, "minute": 19}
